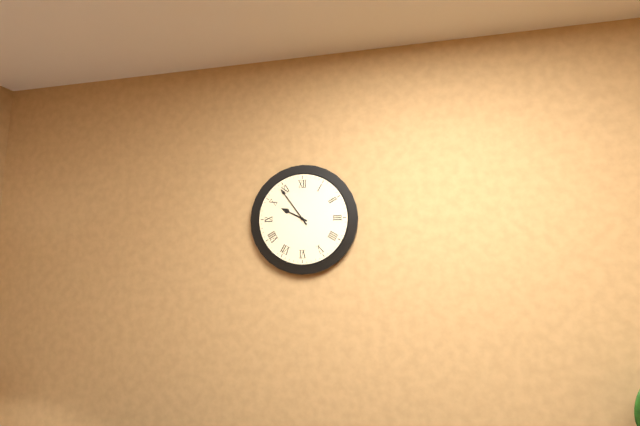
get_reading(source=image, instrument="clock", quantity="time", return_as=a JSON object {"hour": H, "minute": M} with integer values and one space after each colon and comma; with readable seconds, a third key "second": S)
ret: {"hour": 9, "minute": 54}
